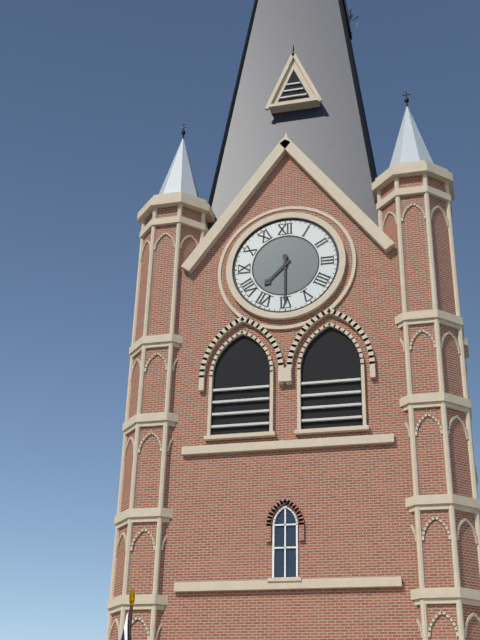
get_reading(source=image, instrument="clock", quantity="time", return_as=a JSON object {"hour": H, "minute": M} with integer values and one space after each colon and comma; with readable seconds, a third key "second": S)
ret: {"hour": 7, "minute": 30}
